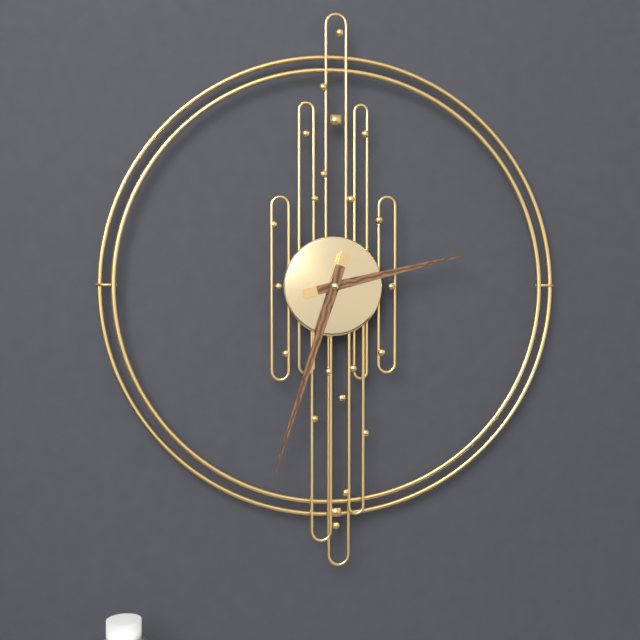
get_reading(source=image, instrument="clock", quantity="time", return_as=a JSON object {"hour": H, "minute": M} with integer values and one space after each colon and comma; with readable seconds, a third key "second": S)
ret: {"hour": 2, "minute": 33}
